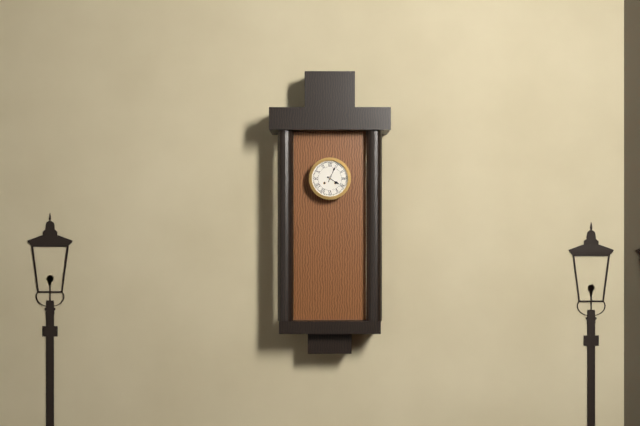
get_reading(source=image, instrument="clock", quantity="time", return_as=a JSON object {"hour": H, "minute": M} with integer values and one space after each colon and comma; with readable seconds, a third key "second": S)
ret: {"hour": 4, "minute": 4}
